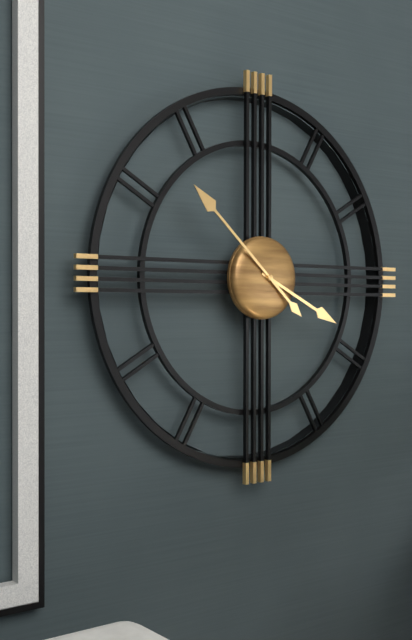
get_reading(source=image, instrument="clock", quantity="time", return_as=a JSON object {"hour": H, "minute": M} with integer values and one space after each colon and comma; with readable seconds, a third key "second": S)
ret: {"hour": 3, "minute": 52}
